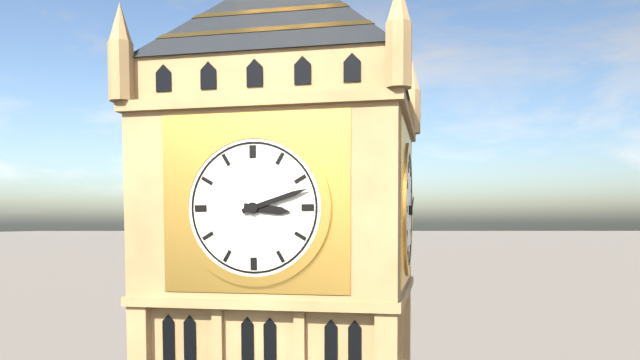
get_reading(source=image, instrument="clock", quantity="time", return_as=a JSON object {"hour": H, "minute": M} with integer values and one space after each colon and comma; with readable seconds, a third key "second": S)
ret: {"hour": 3, "minute": 12}
